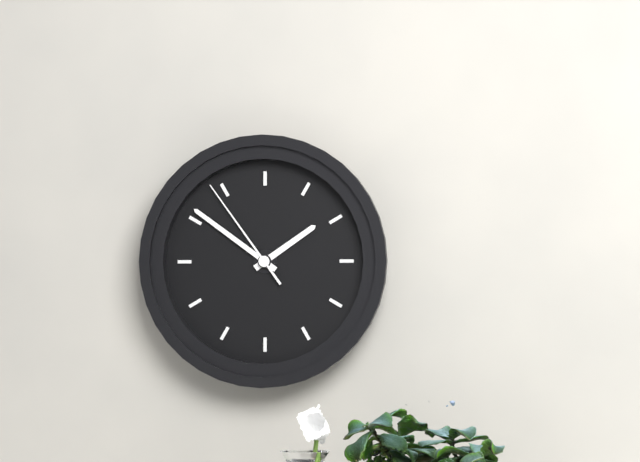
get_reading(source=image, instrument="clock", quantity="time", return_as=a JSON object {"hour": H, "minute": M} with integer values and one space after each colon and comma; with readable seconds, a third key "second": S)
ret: {"hour": 1, "minute": 51, "second": 54}
